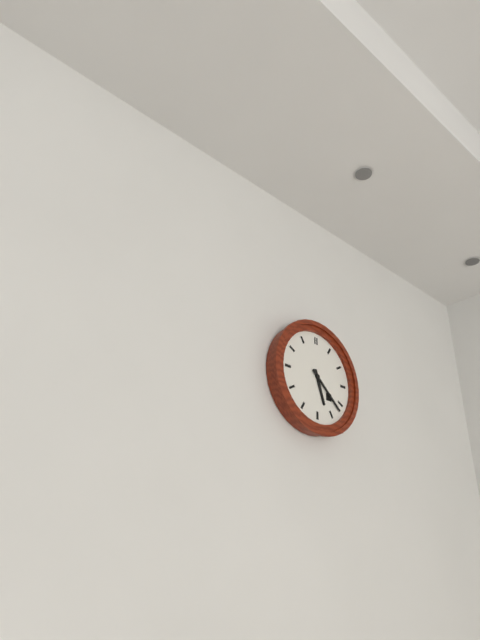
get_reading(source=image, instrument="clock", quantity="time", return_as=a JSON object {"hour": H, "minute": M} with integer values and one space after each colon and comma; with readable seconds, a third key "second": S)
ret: {"hour": 5, "minute": 22}
